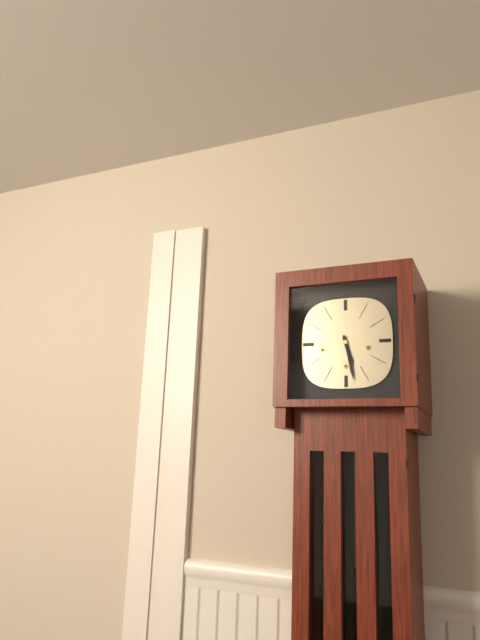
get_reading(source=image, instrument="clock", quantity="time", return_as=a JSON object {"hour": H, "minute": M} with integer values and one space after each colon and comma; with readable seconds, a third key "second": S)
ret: {"hour": 5, "minute": 28}
